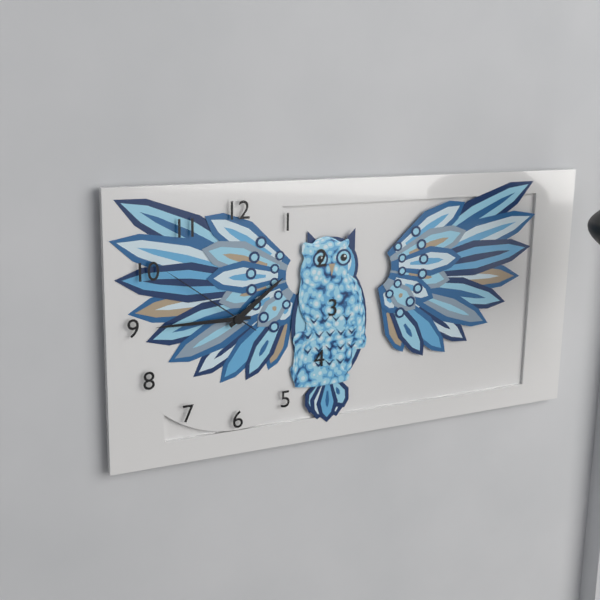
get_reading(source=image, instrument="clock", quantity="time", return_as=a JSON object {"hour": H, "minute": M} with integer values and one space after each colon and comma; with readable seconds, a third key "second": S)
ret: {"hour": 1, "minute": 45, "second": 51}
